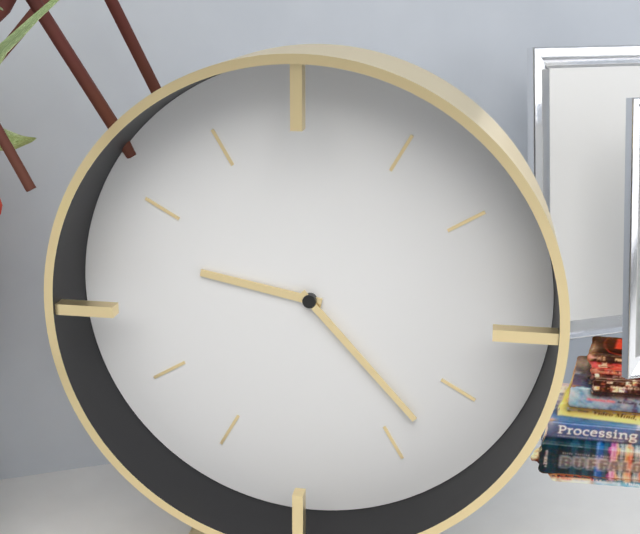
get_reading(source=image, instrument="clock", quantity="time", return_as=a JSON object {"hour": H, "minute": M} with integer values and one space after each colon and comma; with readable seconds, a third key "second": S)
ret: {"hour": 9, "minute": 23}
